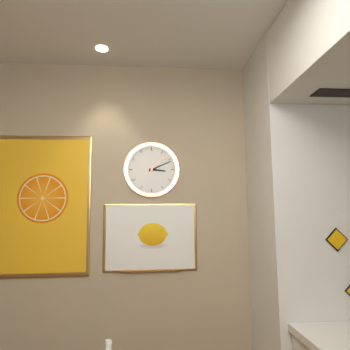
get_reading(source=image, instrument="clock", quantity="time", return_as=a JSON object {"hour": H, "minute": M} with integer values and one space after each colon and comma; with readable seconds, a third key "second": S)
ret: {"hour": 3, "minute": 11}
